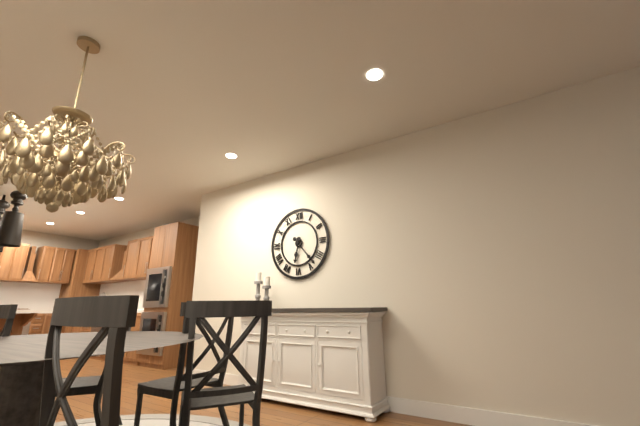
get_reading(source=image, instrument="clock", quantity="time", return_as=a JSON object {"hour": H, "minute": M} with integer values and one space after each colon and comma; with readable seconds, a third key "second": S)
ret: {"hour": 6, "minute": 23}
